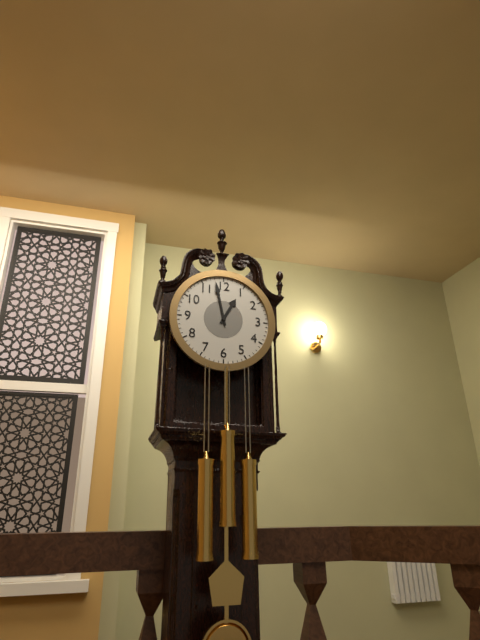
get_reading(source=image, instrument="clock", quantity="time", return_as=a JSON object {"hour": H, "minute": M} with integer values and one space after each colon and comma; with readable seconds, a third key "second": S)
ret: {"hour": 12, "minute": 58}
